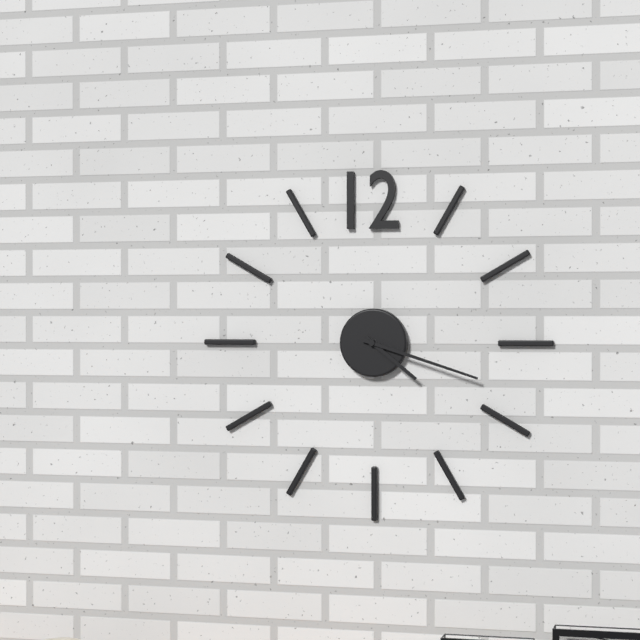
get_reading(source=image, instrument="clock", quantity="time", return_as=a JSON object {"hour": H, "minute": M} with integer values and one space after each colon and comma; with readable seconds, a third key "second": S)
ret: {"hour": 4, "minute": 18}
